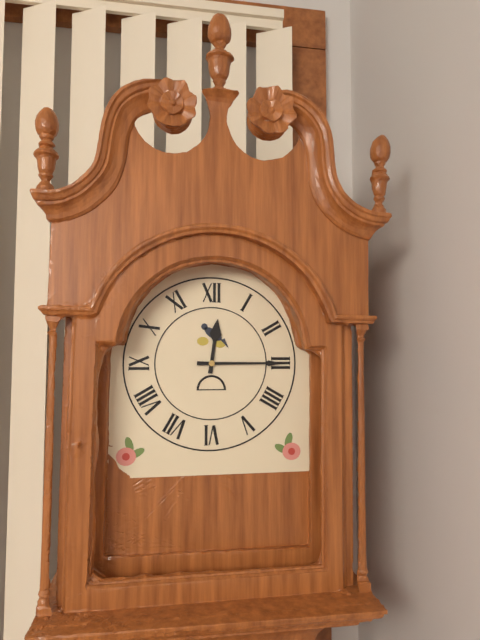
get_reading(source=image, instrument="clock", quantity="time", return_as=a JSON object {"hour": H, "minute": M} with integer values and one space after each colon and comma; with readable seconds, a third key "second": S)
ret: {"hour": 12, "minute": 15}
